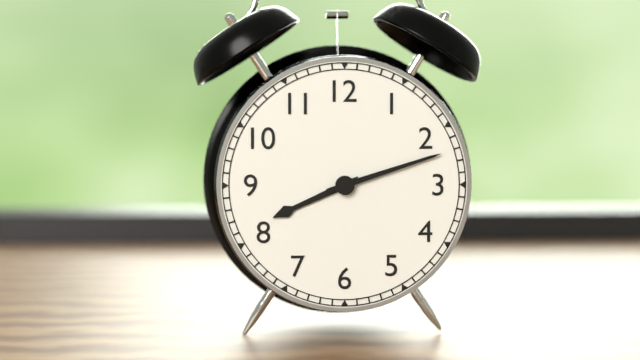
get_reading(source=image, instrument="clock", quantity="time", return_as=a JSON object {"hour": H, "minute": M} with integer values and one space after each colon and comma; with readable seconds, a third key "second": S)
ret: {"hour": 8, "minute": 12}
